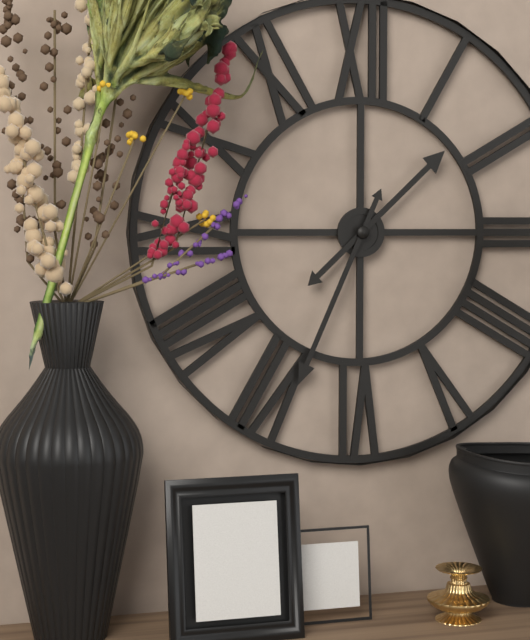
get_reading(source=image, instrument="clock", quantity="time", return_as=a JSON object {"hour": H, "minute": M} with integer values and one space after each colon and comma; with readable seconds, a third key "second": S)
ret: {"hour": 1, "minute": 34}
